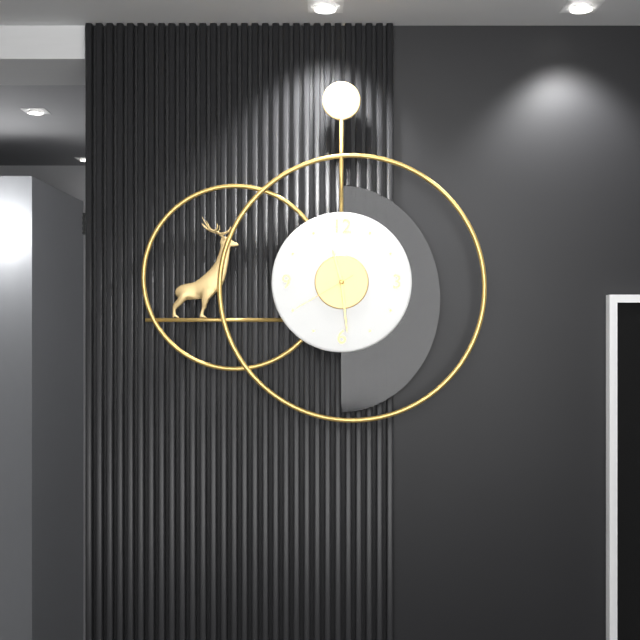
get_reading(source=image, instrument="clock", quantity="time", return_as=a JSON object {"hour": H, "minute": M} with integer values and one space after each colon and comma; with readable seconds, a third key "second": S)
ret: {"hour": 11, "minute": 29, "second": 40}
